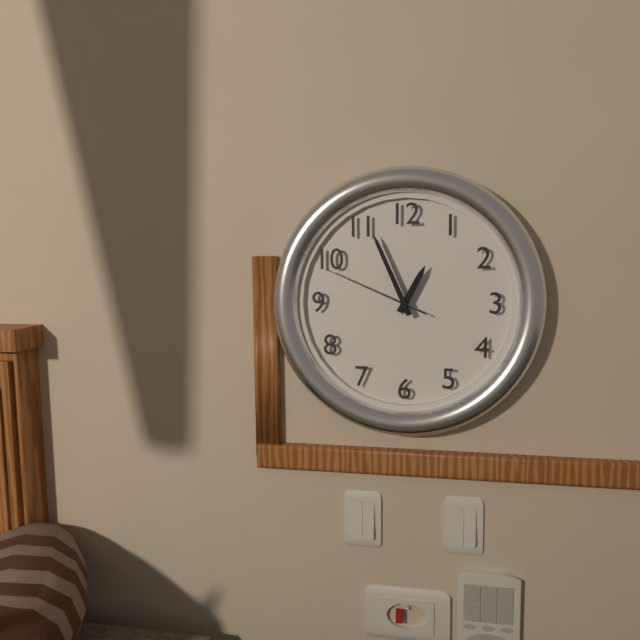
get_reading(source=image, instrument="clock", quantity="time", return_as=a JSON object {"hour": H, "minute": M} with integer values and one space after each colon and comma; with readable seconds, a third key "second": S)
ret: {"hour": 12, "minute": 56, "second": 49}
